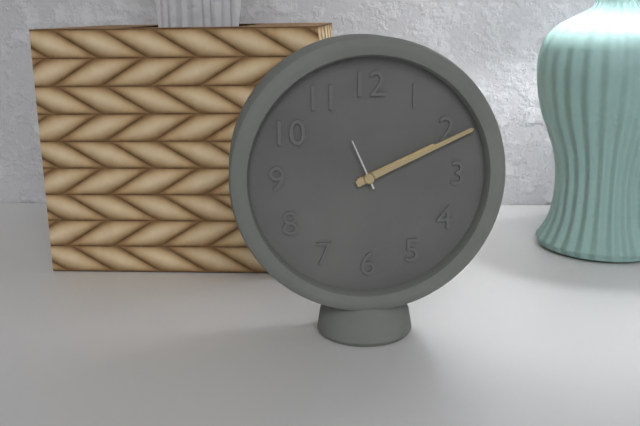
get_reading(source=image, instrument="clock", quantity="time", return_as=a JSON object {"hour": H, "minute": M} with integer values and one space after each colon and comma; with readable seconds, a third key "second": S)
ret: {"hour": 2, "minute": 11, "second": 56}
